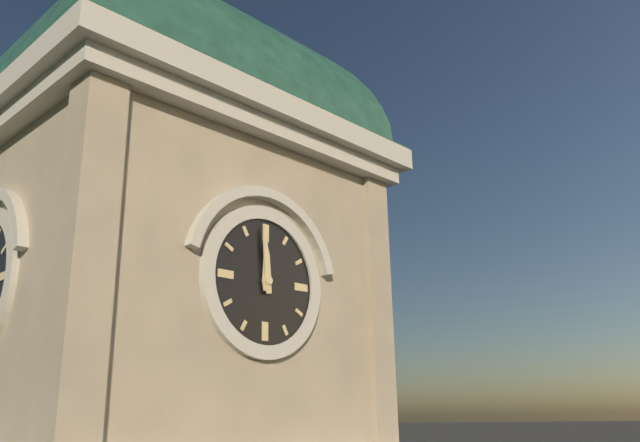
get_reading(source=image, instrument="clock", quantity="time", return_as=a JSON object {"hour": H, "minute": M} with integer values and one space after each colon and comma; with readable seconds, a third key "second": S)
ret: {"hour": 11, "minute": 59}
